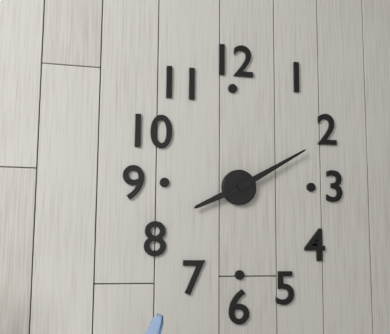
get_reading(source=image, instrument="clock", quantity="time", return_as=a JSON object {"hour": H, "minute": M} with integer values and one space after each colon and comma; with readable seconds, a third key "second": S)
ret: {"hour": 8, "minute": 10}
